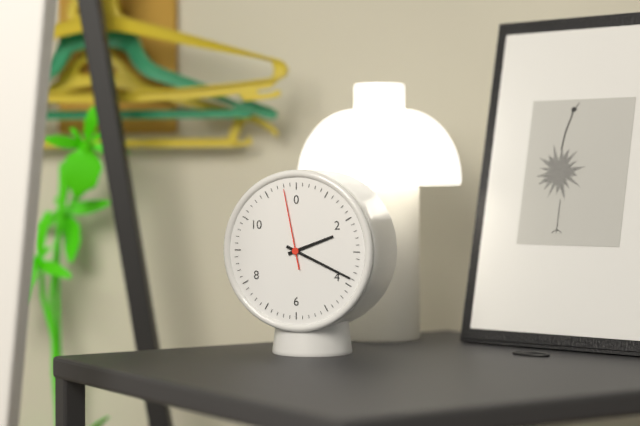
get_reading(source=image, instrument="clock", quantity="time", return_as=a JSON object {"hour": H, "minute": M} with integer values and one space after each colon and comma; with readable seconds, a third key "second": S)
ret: {"hour": 2, "minute": 19, "second": 58}
